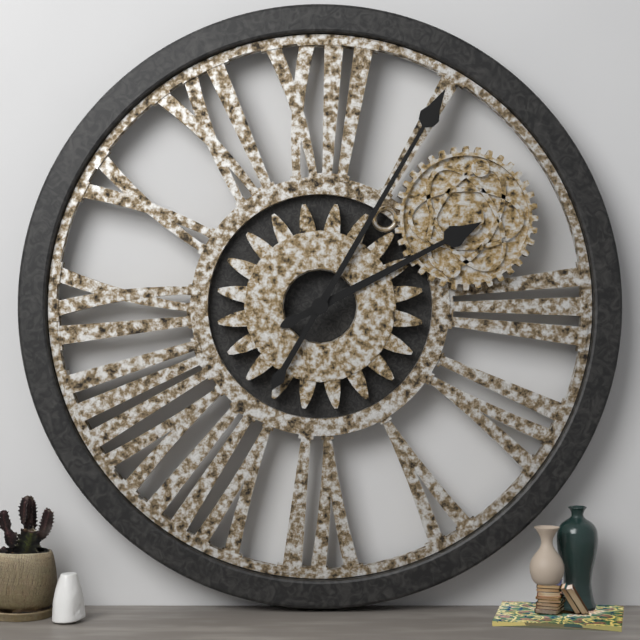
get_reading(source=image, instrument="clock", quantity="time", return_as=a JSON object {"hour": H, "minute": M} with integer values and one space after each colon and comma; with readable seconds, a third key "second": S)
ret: {"hour": 2, "minute": 5}
